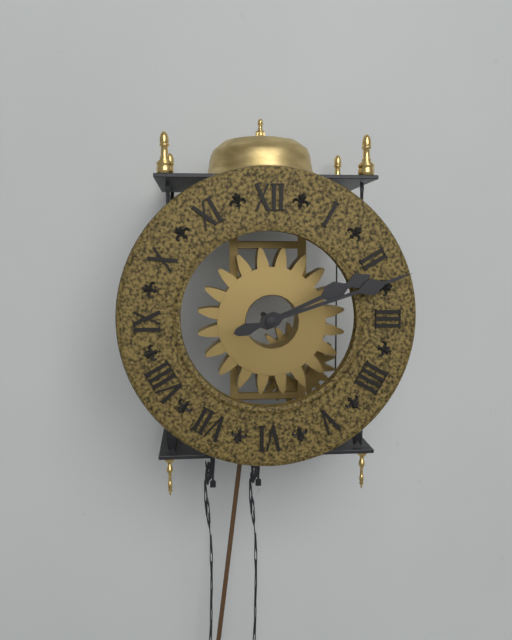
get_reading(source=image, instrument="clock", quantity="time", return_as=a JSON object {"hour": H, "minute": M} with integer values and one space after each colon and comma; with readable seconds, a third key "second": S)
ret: {"hour": 2, "minute": 12}
